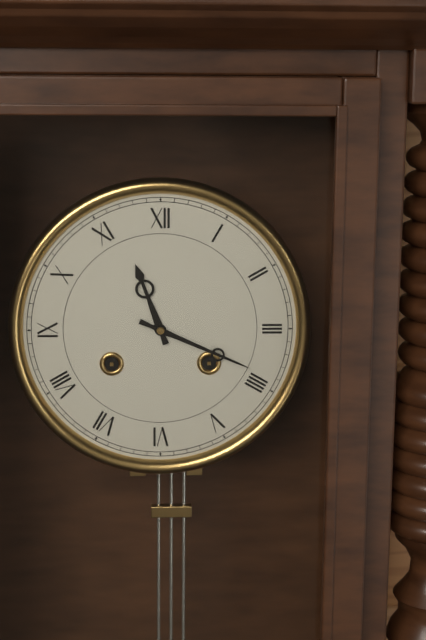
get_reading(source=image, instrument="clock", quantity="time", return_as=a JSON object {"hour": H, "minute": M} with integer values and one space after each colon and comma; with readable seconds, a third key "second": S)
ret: {"hour": 11, "minute": 19}
